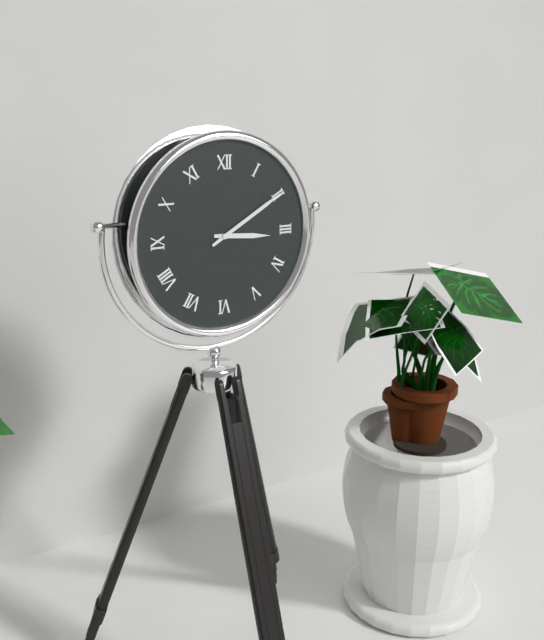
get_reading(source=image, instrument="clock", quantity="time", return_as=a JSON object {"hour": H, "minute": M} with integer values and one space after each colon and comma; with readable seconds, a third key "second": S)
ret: {"hour": 3, "minute": 10}
